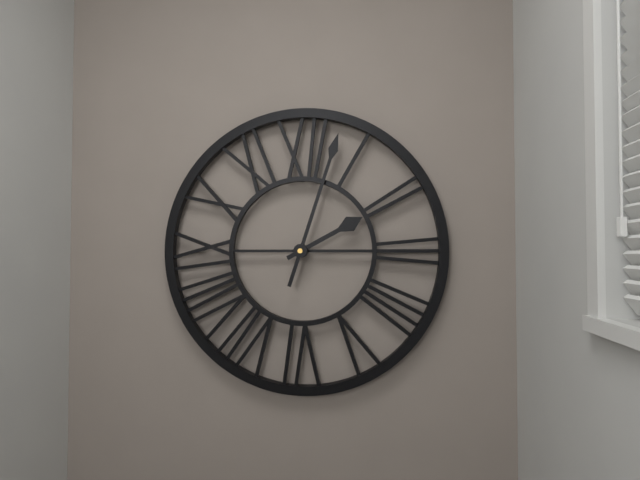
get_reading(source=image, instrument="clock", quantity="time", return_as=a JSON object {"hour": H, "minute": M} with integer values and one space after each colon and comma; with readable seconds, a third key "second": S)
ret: {"hour": 2, "minute": 3}
